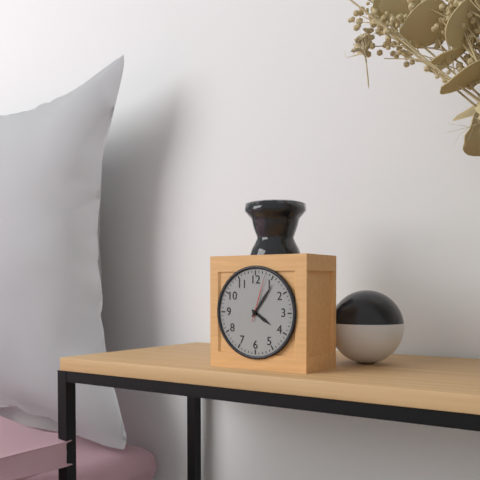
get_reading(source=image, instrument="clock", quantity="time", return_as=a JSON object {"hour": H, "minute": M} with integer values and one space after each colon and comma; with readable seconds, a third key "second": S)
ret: {"hour": 4, "minute": 6}
